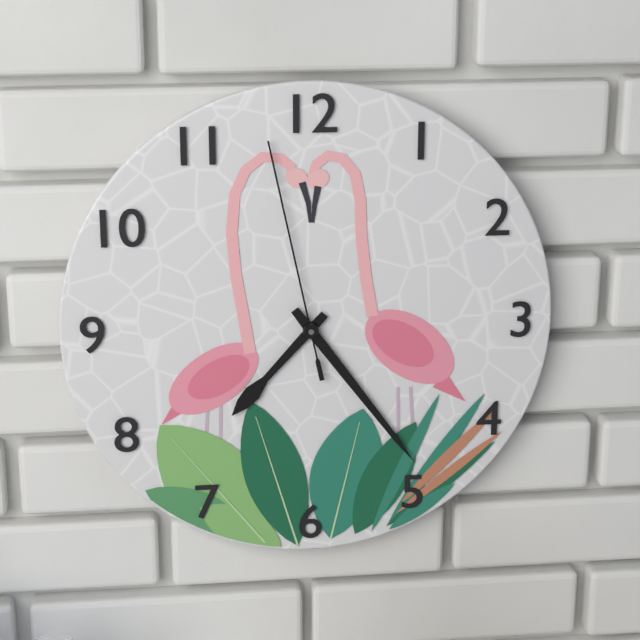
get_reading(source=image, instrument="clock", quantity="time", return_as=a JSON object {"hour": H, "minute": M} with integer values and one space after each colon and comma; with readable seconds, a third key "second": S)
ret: {"hour": 7, "minute": 24, "second": 58}
